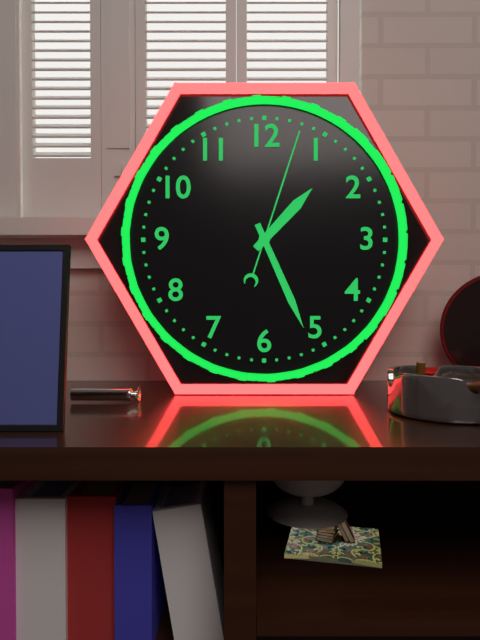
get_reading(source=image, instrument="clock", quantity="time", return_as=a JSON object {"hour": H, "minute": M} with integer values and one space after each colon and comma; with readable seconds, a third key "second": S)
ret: {"hour": 1, "minute": 26, "second": 3}
